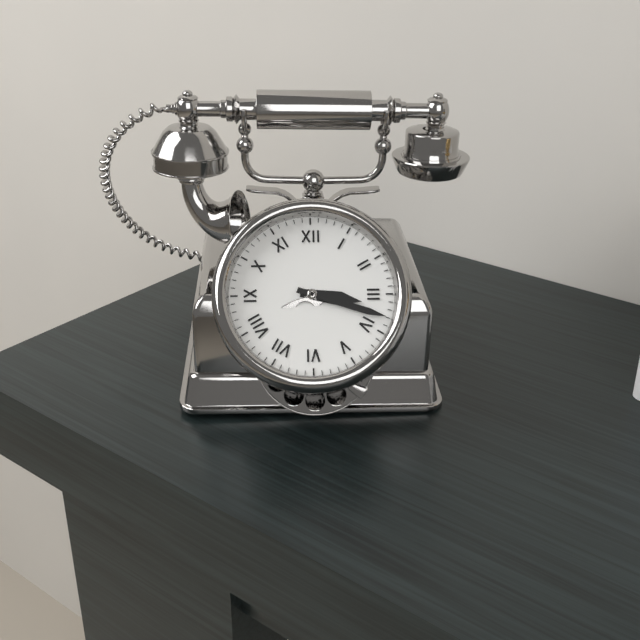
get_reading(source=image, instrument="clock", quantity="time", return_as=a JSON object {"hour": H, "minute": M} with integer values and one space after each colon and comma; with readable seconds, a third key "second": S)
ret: {"hour": 3, "minute": 18}
